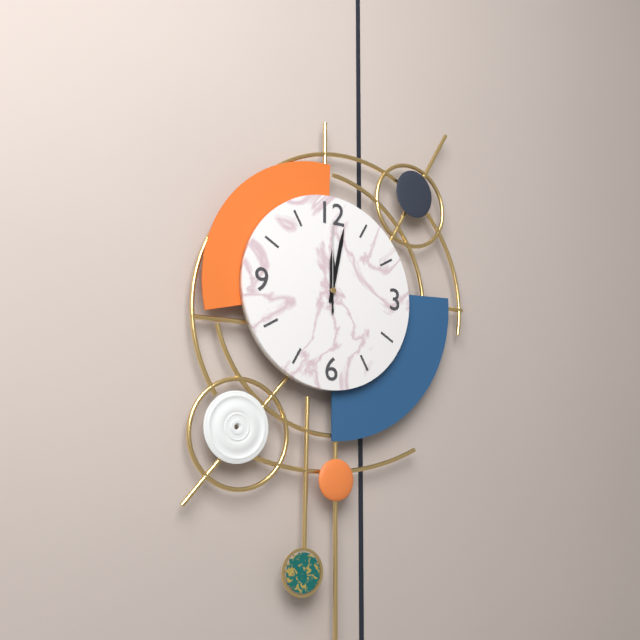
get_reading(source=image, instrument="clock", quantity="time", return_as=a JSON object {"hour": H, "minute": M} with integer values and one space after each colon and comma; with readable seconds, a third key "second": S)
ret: {"hour": 12, "minute": 2, "second": 0}
